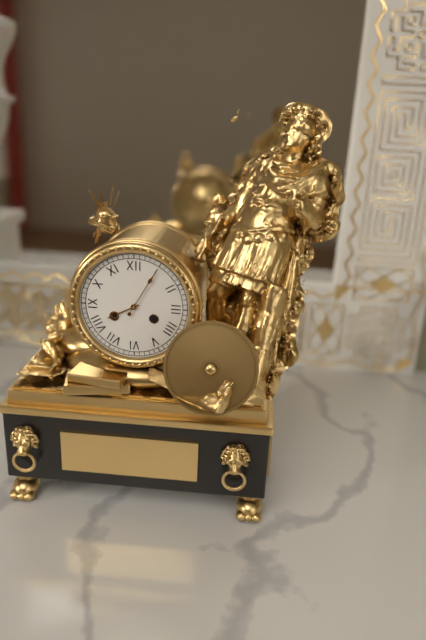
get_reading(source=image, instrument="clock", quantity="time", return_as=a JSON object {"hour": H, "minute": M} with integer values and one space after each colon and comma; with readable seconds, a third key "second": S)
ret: {"hour": 8, "minute": 5}
